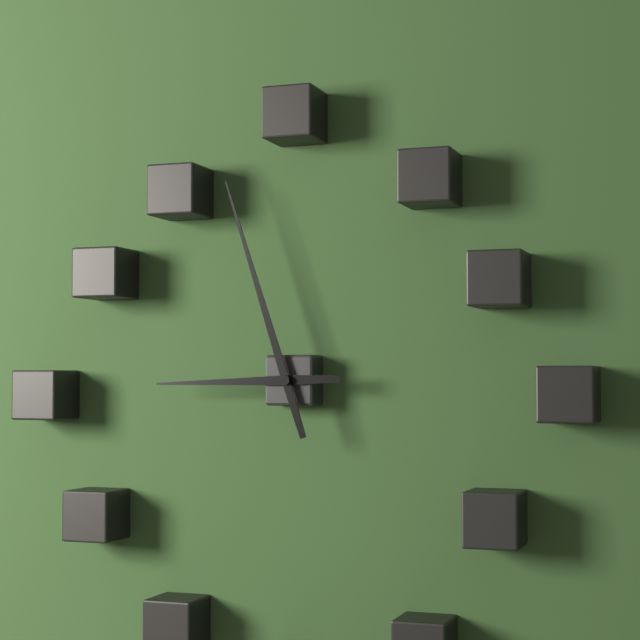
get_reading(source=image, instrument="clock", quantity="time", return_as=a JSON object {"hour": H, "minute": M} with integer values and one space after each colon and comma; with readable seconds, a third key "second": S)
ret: {"hour": 8, "minute": 57}
